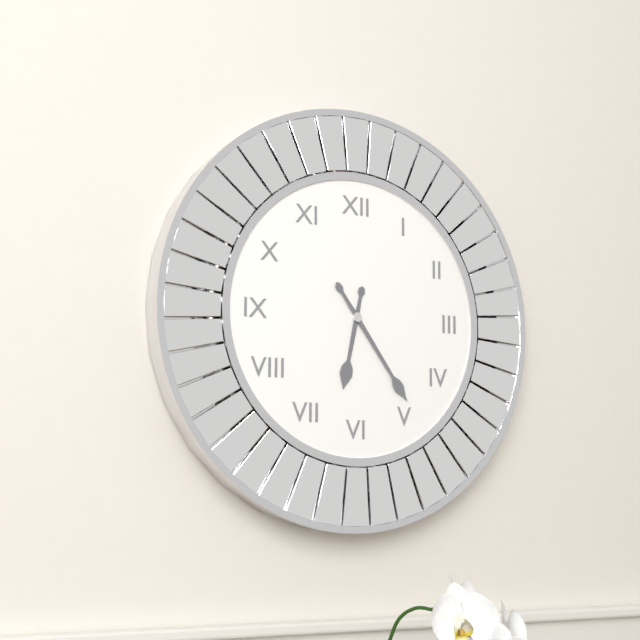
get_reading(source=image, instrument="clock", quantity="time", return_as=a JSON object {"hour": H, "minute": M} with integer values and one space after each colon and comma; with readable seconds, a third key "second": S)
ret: {"hour": 6, "minute": 24}
